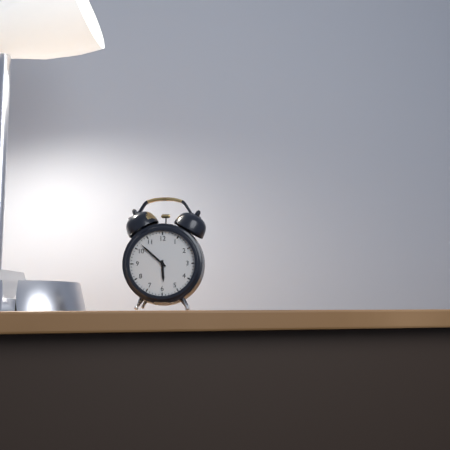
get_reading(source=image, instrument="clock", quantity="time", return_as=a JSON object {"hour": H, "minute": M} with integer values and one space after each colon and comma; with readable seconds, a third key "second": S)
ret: {"hour": 5, "minute": 52}
